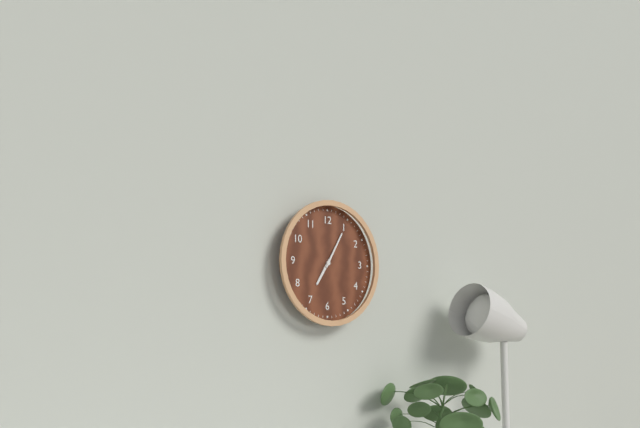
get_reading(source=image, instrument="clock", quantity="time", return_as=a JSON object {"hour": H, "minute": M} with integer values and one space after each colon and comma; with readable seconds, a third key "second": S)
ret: {"hour": 7, "minute": 5}
